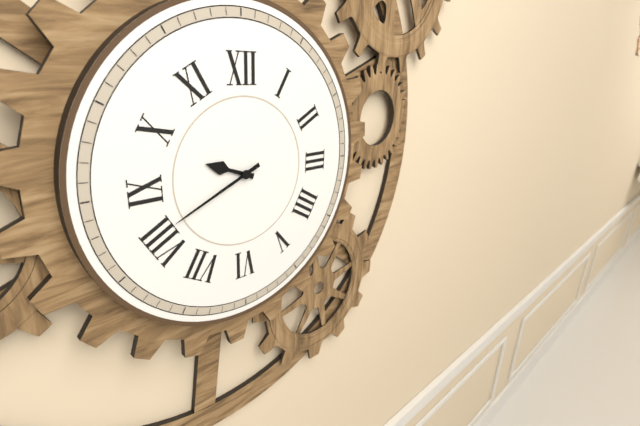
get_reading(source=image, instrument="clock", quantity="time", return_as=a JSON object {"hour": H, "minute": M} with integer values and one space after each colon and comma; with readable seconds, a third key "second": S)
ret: {"hour": 9, "minute": 41}
